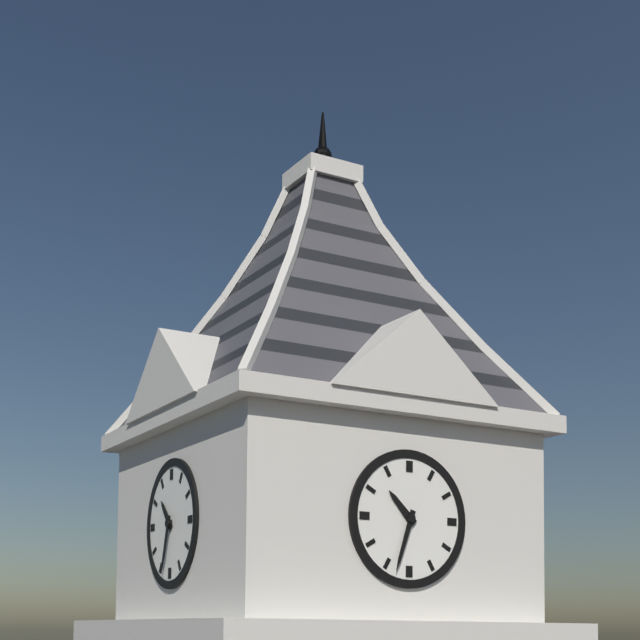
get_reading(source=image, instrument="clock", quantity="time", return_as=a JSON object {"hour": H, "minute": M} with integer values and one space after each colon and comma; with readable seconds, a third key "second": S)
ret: {"hour": 10, "minute": 33}
